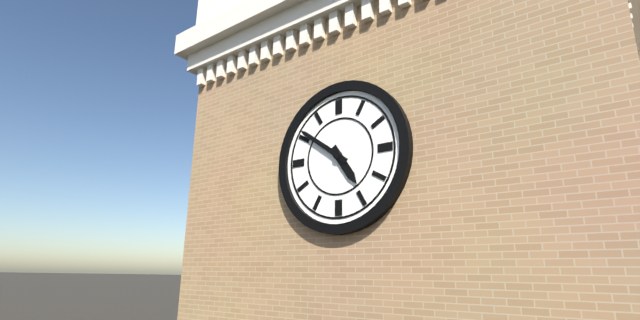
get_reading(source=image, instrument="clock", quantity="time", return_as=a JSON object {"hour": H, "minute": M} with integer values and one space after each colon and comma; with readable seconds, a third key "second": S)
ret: {"hour": 4, "minute": 51}
